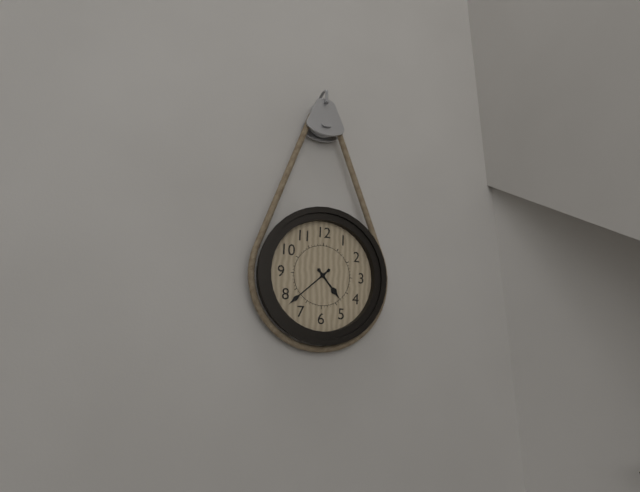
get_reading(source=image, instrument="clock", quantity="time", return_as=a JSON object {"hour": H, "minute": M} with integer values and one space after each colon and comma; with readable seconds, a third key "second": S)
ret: {"hour": 4, "minute": 38}
